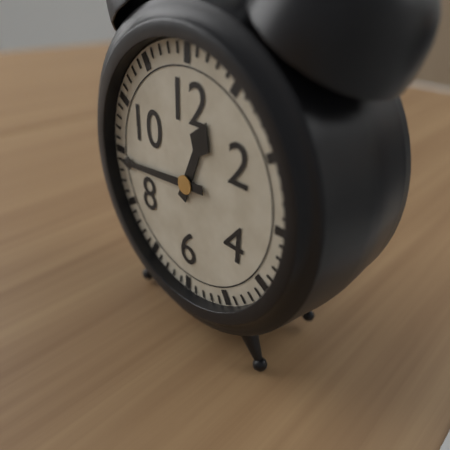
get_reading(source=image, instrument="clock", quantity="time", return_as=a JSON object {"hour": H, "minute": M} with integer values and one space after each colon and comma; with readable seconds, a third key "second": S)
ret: {"hour": 12, "minute": 44}
